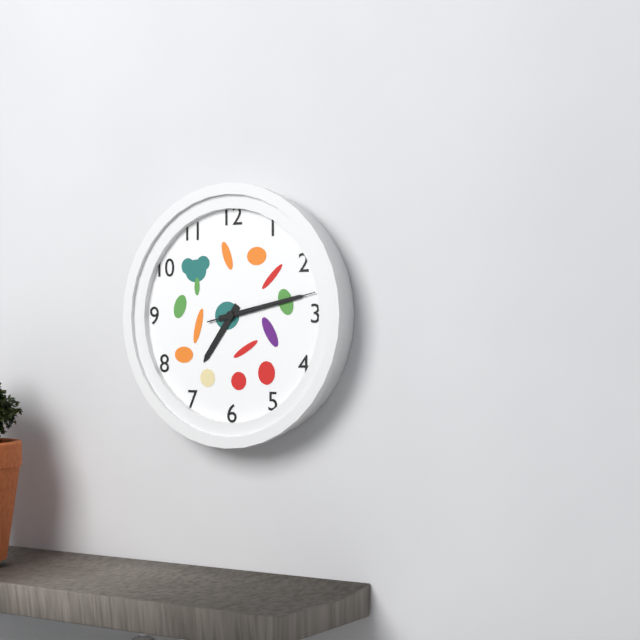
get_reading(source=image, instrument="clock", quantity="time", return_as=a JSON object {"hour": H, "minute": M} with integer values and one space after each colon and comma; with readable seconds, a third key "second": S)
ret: {"hour": 7, "minute": 13, "second": 13}
